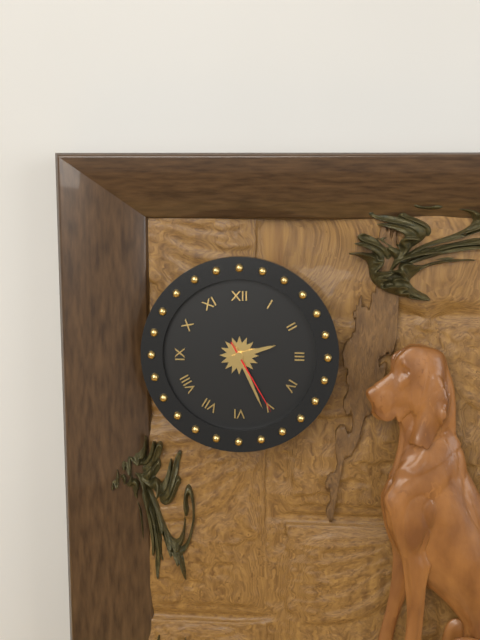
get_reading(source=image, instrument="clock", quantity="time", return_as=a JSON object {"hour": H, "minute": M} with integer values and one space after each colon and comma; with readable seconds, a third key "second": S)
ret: {"hour": 2, "minute": 26, "second": 25}
